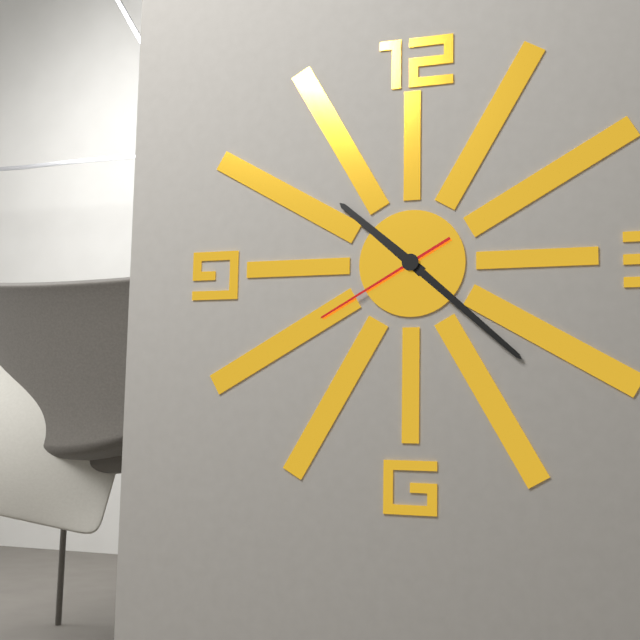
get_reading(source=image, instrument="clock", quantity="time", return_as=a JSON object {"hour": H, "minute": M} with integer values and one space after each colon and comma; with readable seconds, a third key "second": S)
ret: {"hour": 10, "minute": 22, "second": 40}
